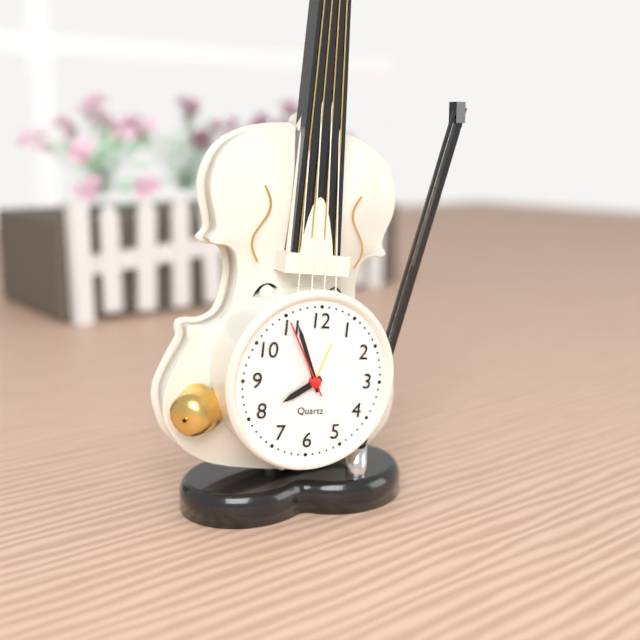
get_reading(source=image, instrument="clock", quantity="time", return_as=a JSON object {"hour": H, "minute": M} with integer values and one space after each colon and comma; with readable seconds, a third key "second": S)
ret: {"hour": 7, "minute": 56, "second": 55}
